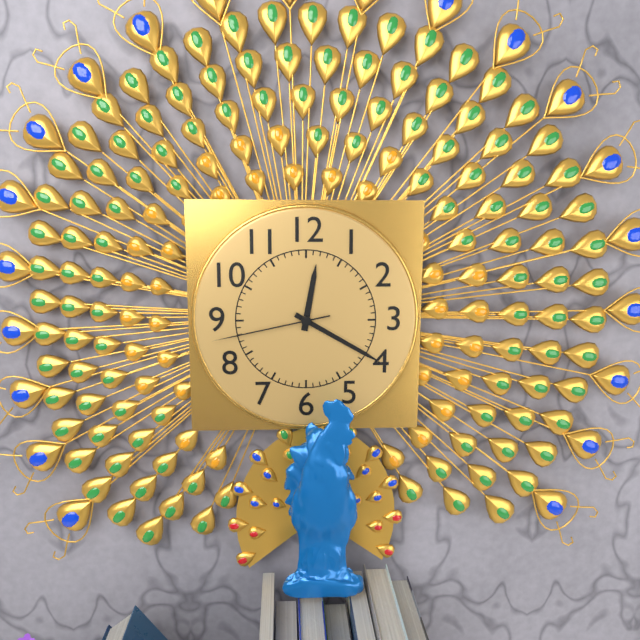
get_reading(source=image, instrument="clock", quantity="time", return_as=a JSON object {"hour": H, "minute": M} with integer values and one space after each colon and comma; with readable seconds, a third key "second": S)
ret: {"hour": 12, "minute": 20, "second": 43}
